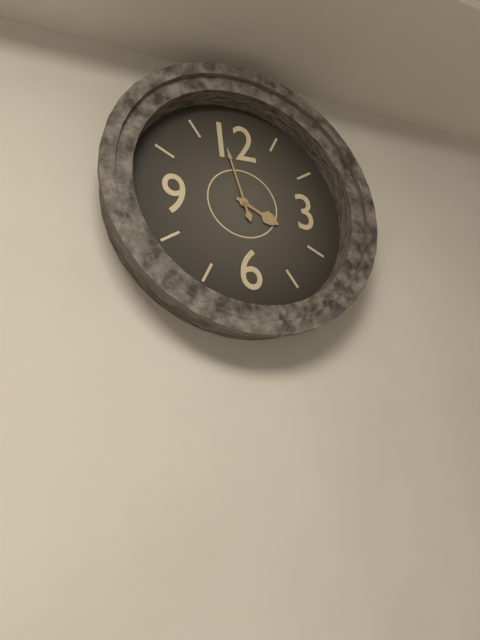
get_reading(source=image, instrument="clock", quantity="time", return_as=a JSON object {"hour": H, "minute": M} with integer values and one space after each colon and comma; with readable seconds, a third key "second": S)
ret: {"hour": 3, "minute": 58}
